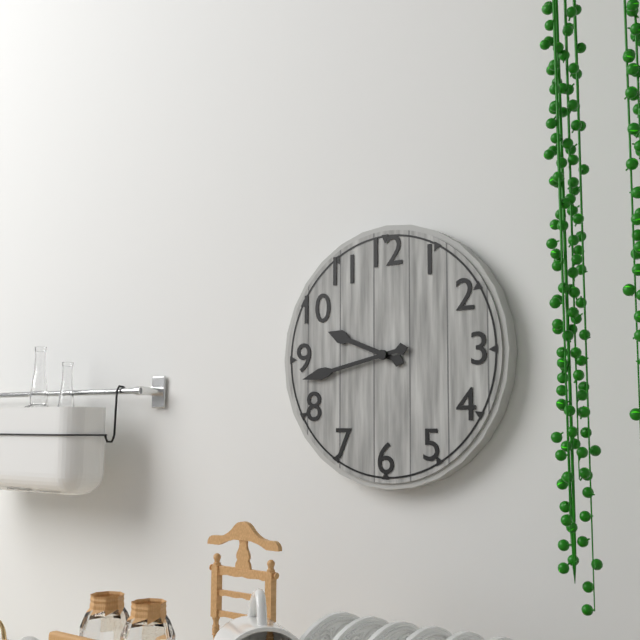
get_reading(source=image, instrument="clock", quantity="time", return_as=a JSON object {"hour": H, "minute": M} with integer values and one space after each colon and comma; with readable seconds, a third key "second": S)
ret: {"hour": 9, "minute": 43}
